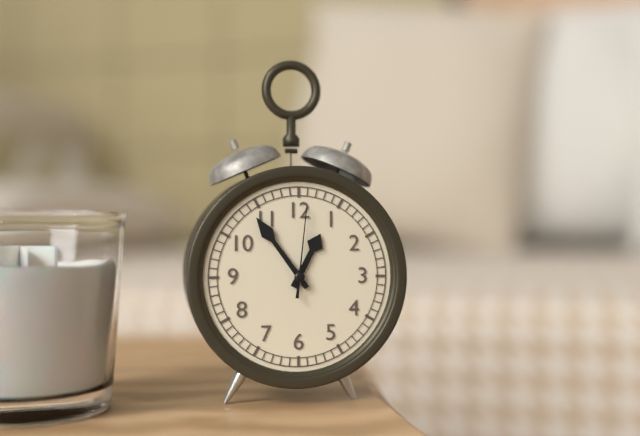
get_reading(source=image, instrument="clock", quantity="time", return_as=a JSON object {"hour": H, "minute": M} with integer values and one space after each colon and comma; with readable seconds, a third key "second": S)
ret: {"hour": 12, "minute": 54, "second": 1}
